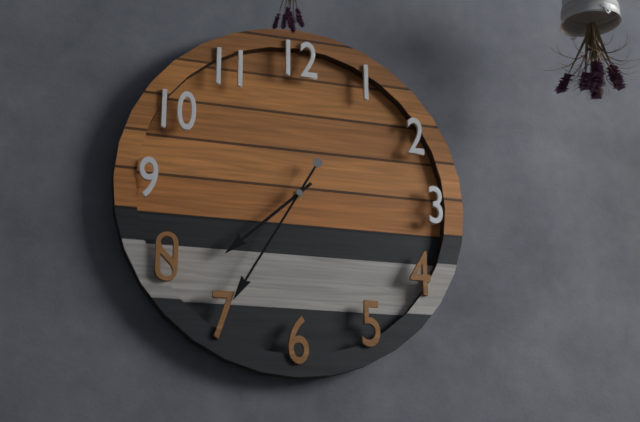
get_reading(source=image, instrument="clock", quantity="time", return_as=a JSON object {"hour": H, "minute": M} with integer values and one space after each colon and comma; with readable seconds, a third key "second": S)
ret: {"hour": 7, "minute": 35}
